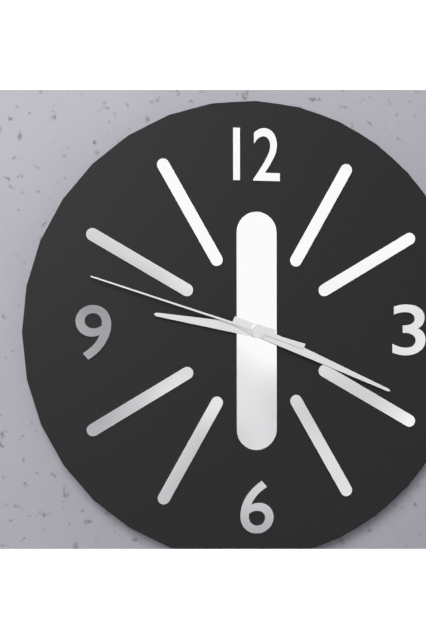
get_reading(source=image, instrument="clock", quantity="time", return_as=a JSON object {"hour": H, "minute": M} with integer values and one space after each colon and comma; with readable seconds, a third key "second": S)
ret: {"hour": 9, "minute": 19, "second": 48}
